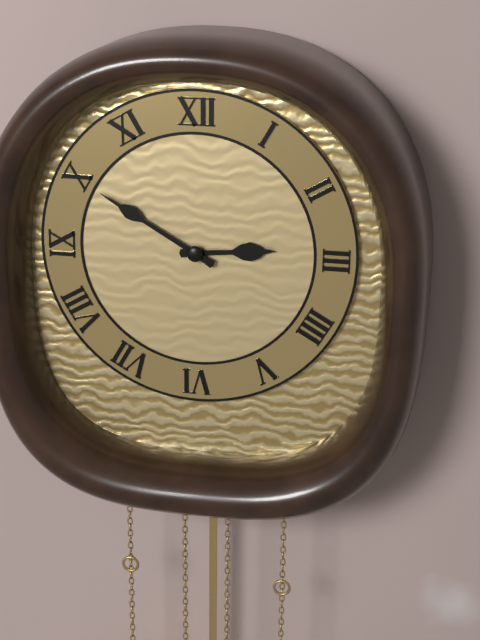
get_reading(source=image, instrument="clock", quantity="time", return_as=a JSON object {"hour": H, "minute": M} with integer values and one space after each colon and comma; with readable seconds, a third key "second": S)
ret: {"hour": 2, "minute": 50}
